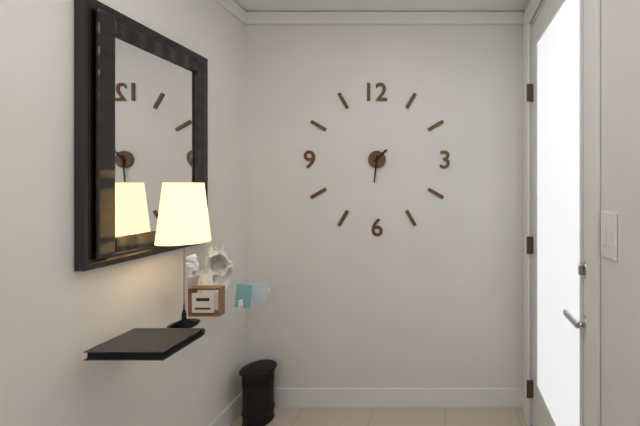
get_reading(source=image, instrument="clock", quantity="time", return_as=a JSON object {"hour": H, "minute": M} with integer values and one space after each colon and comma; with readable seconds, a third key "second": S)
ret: {"hour": 1, "minute": 31}
